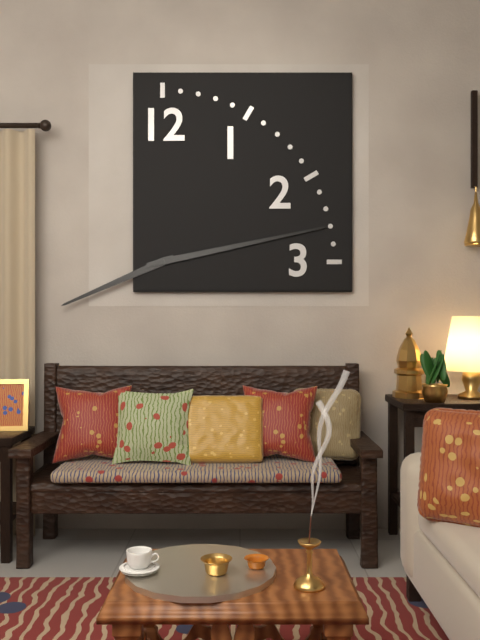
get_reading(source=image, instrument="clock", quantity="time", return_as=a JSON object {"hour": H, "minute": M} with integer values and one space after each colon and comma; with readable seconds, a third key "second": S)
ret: {"hour": 8, "minute": 13}
